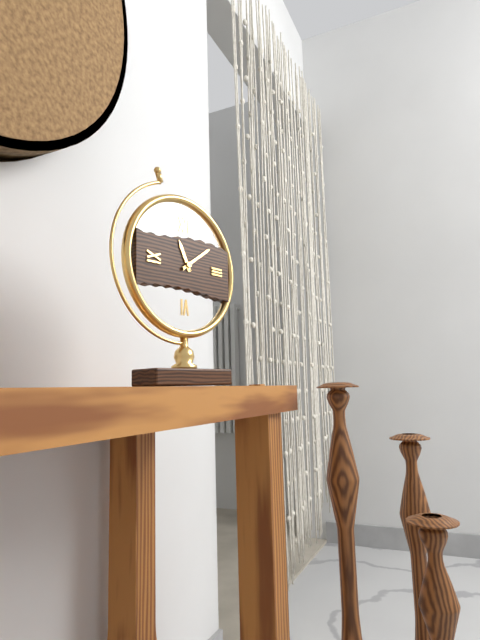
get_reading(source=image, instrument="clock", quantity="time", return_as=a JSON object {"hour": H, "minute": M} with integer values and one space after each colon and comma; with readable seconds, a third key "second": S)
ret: {"hour": 11, "minute": 9}
